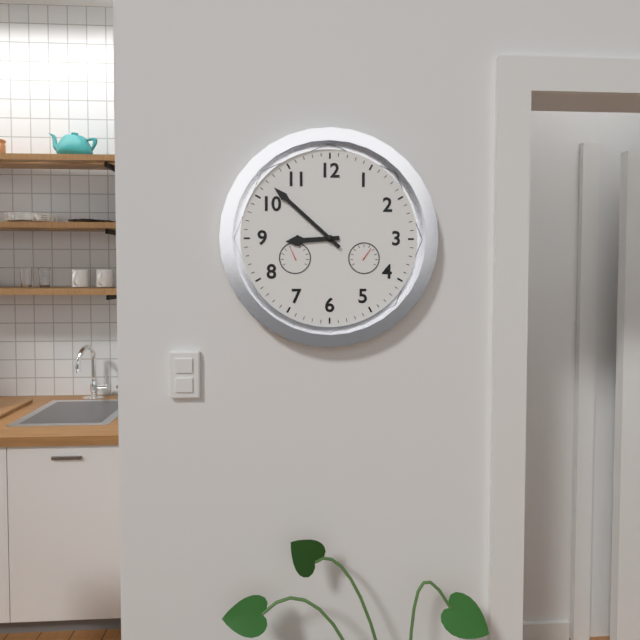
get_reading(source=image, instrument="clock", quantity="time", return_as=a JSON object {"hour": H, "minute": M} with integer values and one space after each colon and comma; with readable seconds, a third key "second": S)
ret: {"hour": 8, "minute": 52}
